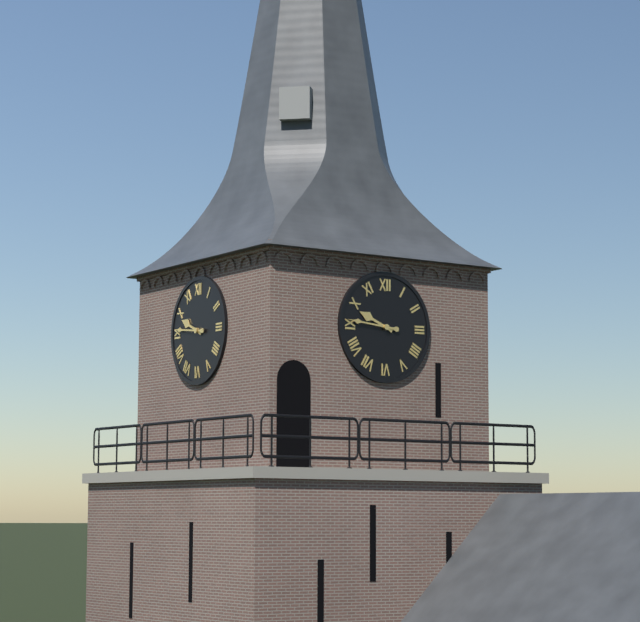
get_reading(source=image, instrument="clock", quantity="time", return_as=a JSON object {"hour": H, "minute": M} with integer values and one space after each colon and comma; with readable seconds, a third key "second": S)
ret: {"hour": 9, "minute": 46}
